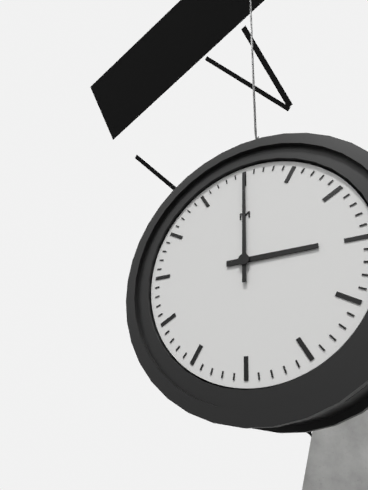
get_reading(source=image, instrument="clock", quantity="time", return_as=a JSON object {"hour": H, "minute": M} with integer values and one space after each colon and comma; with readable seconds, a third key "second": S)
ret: {"hour": 3, "minute": 0}
